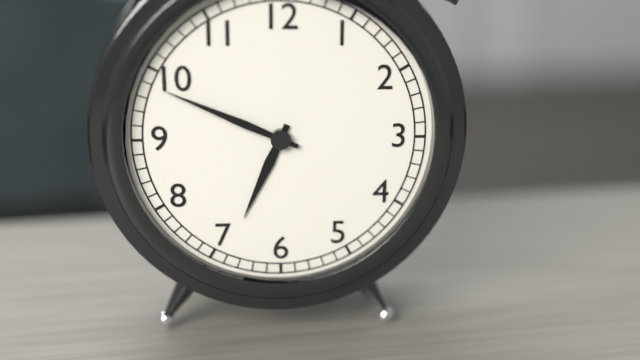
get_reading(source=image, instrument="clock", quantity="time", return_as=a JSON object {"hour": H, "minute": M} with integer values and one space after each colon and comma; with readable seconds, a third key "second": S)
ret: {"hour": 6, "minute": 49}
